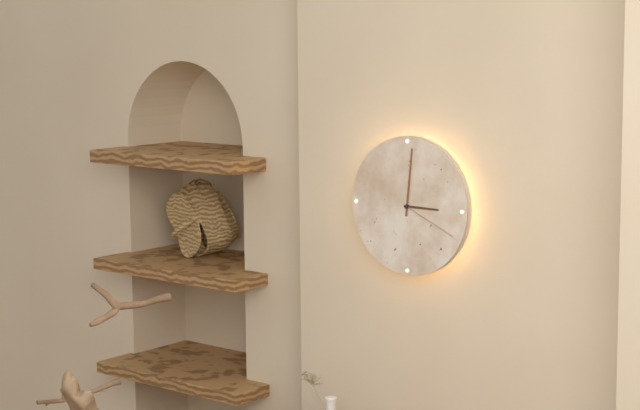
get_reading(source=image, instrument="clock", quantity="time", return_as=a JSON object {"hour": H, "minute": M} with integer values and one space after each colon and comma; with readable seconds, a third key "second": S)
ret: {"hour": 3, "minute": 1, "second": 19}
